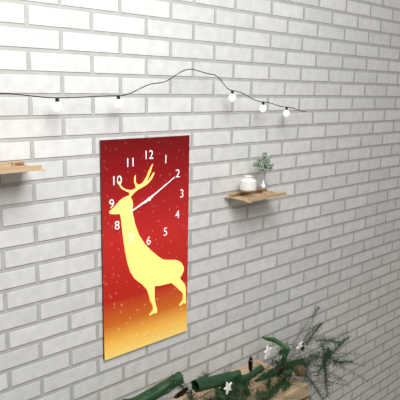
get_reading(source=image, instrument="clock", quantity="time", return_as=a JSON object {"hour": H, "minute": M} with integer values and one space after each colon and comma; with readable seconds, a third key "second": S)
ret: {"hour": 8, "minute": 10}
